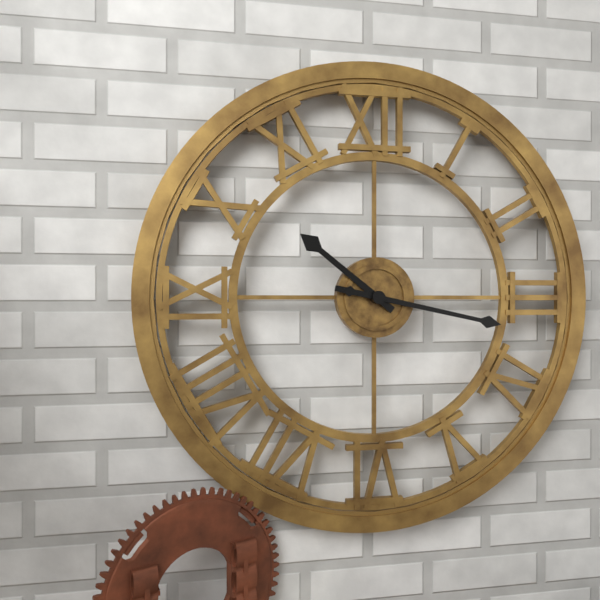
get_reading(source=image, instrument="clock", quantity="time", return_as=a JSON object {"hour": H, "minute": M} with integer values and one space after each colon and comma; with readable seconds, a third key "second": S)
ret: {"hour": 10, "minute": 17}
